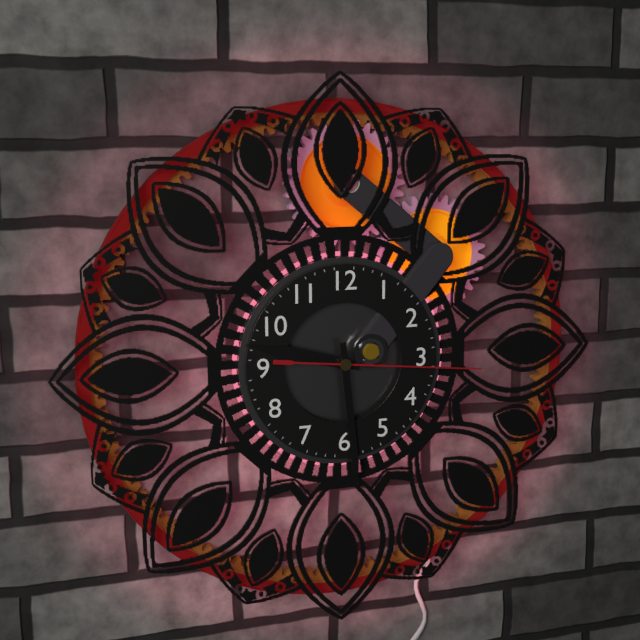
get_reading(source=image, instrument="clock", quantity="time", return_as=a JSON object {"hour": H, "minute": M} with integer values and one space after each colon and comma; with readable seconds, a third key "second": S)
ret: {"hour": 9, "minute": 29, "second": 16}
